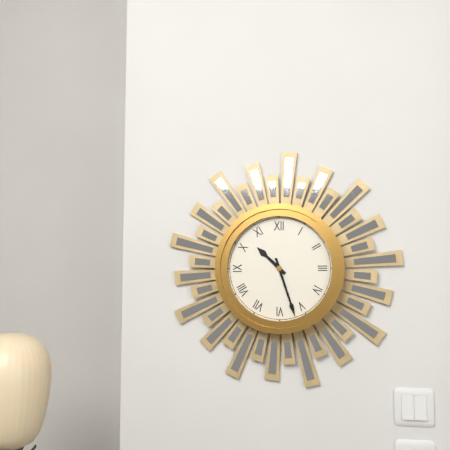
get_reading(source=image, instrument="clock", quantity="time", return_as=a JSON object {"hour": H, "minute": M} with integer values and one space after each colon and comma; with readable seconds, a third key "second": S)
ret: {"hour": 10, "minute": 27}
